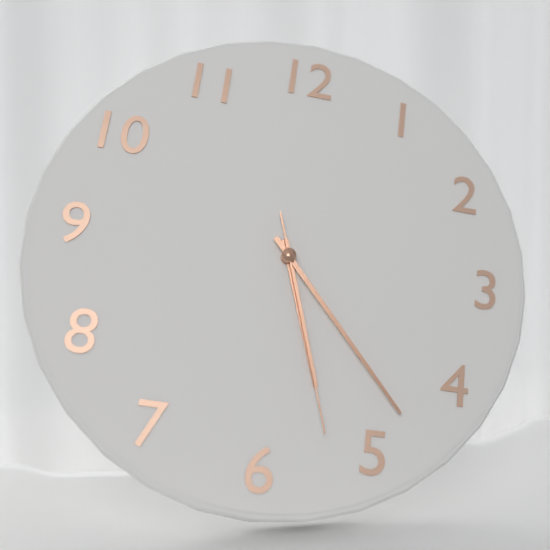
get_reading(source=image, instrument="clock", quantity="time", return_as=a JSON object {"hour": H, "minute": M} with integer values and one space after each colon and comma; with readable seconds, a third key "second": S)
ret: {"hour": 5, "minute": 23, "second": 27}
